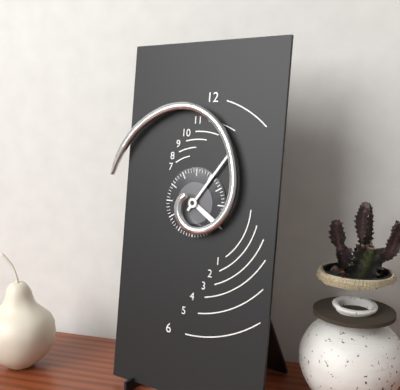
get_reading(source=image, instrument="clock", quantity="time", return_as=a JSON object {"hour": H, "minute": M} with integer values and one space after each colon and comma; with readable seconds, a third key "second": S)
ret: {"hour": 4, "minute": 6}
